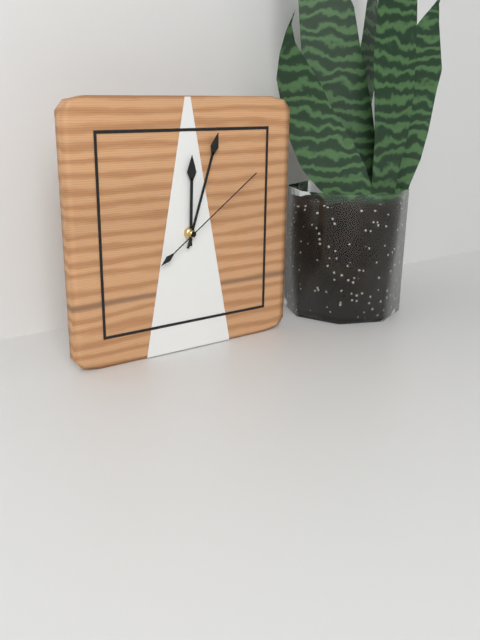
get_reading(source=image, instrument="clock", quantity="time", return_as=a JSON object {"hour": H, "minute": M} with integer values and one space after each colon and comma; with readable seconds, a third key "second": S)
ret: {"hour": 12, "minute": 3, "second": 9}
